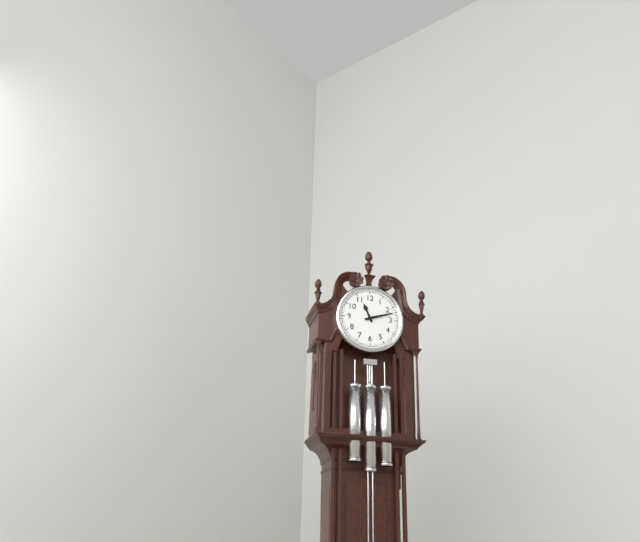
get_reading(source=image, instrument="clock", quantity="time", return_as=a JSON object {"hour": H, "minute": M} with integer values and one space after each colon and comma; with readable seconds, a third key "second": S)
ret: {"hour": 11, "minute": 12}
